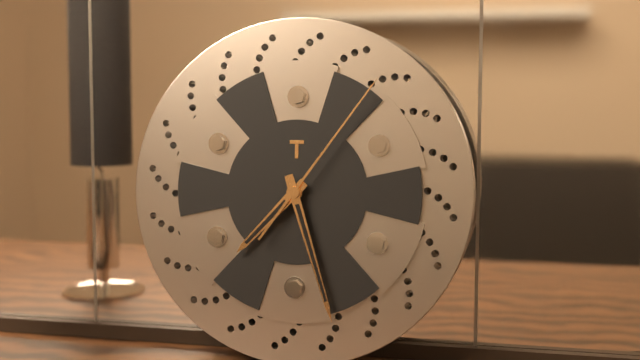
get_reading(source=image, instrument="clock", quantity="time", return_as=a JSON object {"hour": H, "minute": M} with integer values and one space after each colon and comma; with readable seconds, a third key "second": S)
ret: {"hour": 7, "minute": 27, "second": 6}
